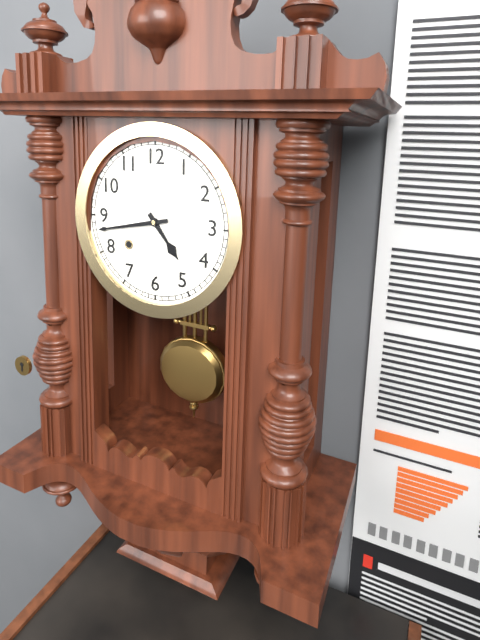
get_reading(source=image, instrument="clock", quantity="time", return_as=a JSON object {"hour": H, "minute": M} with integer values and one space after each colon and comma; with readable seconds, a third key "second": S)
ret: {"hour": 4, "minute": 43}
